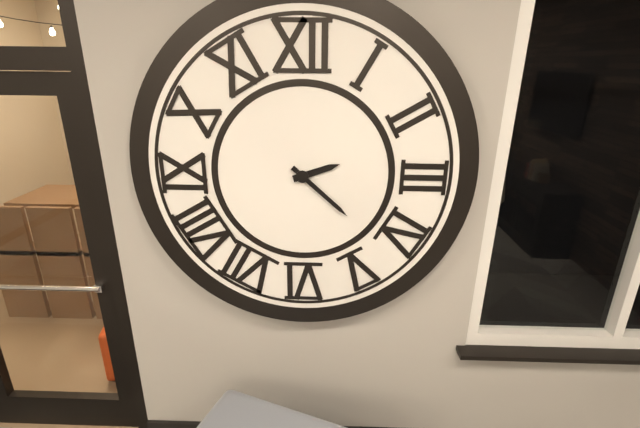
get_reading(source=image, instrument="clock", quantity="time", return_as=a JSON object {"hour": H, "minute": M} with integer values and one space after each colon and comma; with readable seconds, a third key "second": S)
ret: {"hour": 2, "minute": 22}
